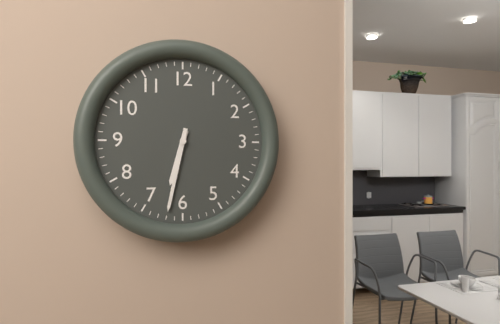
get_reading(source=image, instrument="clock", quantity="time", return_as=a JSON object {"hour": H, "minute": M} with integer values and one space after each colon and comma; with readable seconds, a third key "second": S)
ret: {"hour": 6, "minute": 32}
